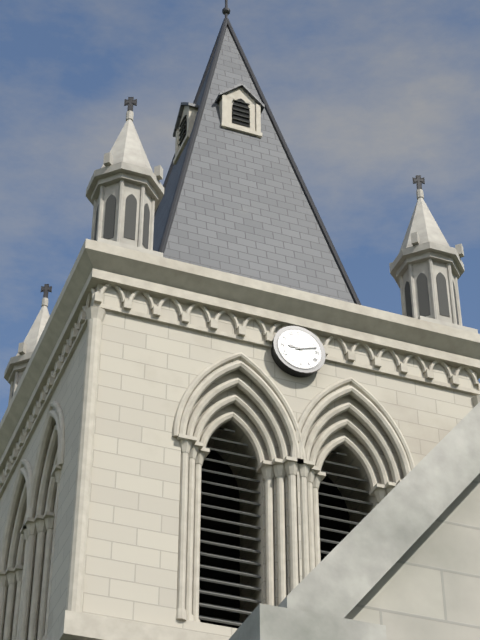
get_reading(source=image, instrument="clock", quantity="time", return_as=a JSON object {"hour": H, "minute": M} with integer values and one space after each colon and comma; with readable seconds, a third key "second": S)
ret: {"hour": 9, "minute": 12}
